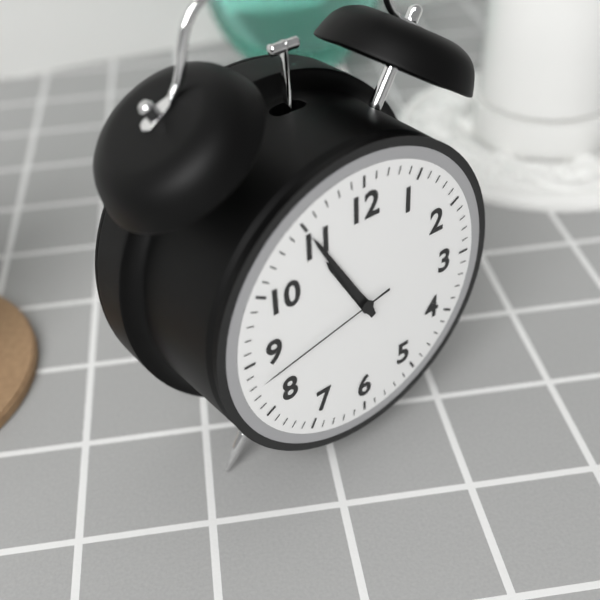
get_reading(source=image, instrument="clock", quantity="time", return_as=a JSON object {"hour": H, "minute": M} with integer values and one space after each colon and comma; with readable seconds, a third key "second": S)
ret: {"hour": 10, "minute": 55, "second": 43}
